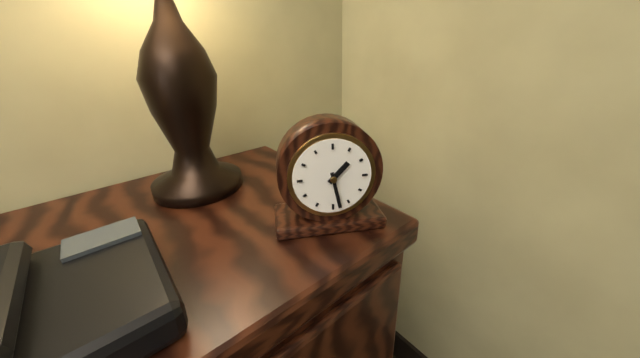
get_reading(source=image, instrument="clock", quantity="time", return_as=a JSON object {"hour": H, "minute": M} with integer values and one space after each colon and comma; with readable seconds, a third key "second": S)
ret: {"hour": 1, "minute": 28}
